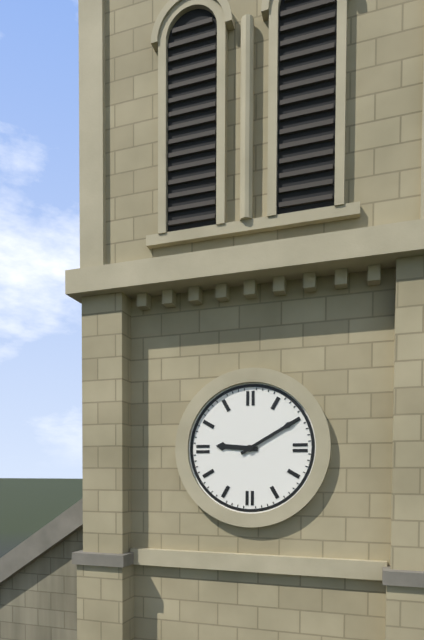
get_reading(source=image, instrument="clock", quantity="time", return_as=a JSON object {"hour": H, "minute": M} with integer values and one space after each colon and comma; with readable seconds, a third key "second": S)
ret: {"hour": 9, "minute": 10}
